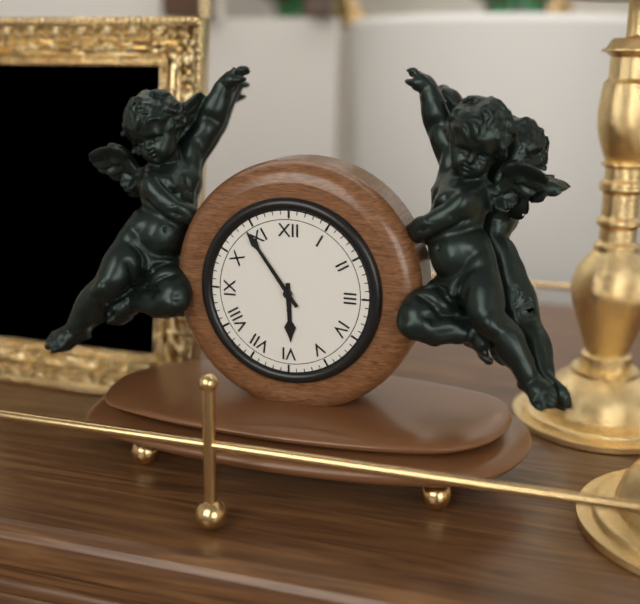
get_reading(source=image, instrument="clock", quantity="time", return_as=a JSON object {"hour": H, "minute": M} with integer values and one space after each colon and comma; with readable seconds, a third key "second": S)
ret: {"hour": 5, "minute": 54}
